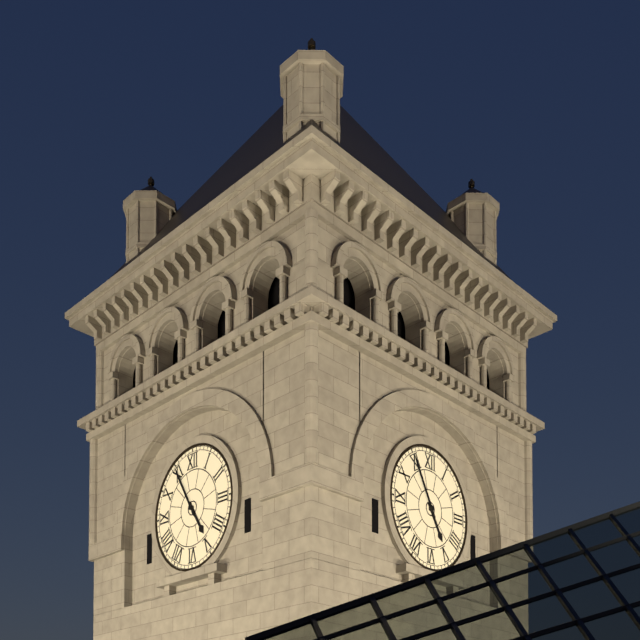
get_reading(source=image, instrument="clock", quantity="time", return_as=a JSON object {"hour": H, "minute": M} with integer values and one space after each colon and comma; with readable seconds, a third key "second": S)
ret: {"hour": 4, "minute": 55}
